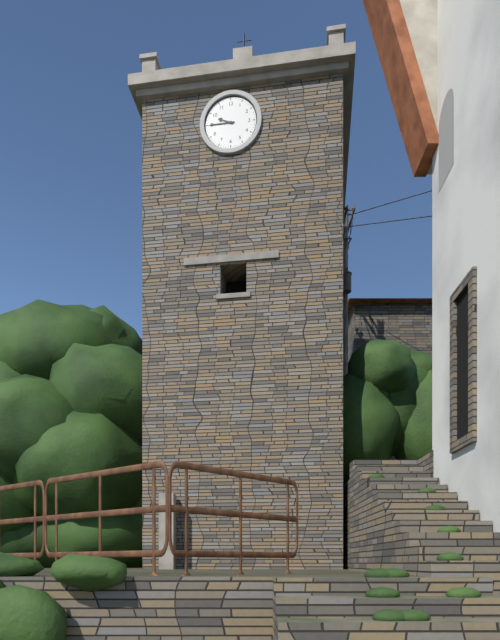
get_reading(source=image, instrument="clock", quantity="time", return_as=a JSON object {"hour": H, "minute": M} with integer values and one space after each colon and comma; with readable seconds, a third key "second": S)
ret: {"hour": 9, "minute": 45}
